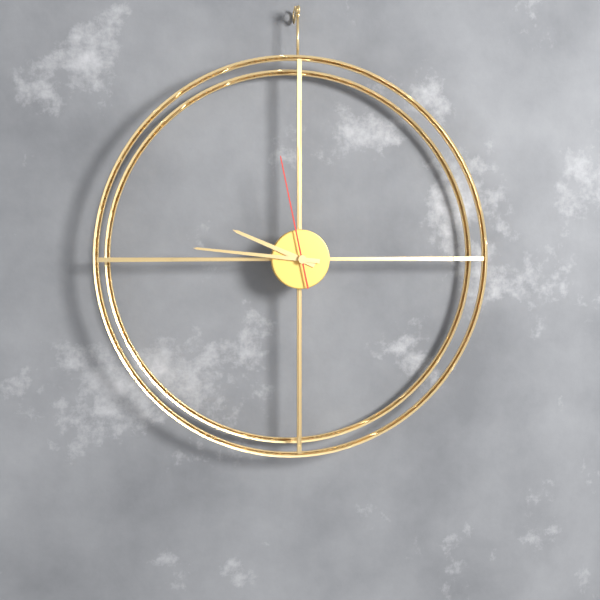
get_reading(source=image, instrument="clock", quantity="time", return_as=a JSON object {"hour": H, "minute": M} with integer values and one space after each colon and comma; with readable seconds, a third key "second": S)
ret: {"hour": 9, "minute": 46, "second": 58}
